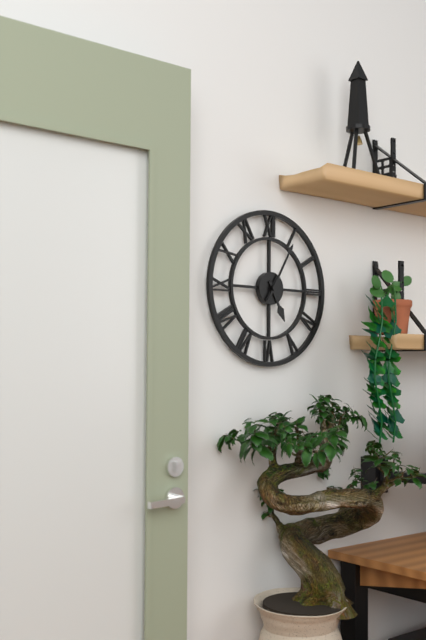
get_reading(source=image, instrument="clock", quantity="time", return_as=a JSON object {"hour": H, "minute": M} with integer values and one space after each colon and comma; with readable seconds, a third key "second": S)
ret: {"hour": 5, "minute": 5}
